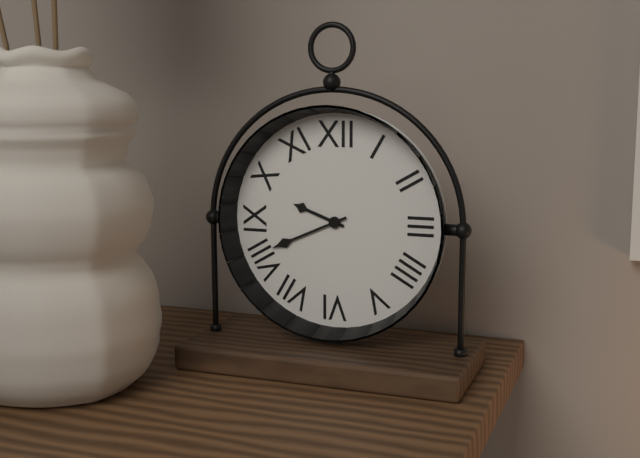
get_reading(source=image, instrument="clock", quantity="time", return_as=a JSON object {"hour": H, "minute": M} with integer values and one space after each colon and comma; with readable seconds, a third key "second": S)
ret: {"hour": 9, "minute": 41}
